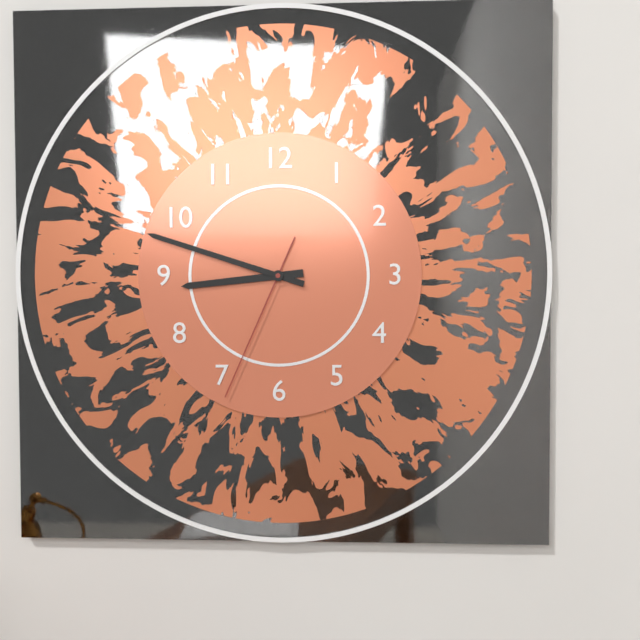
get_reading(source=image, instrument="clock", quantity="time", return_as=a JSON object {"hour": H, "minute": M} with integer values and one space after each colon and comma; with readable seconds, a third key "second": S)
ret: {"hour": 8, "minute": 48, "second": 34}
